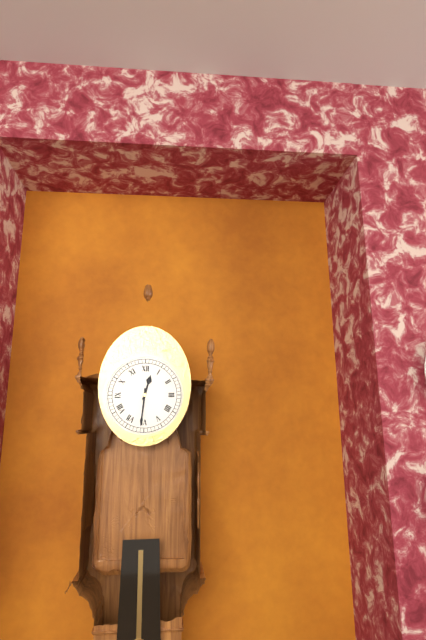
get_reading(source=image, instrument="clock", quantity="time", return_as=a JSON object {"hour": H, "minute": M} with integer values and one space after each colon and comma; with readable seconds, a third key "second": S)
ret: {"hour": 12, "minute": 31}
